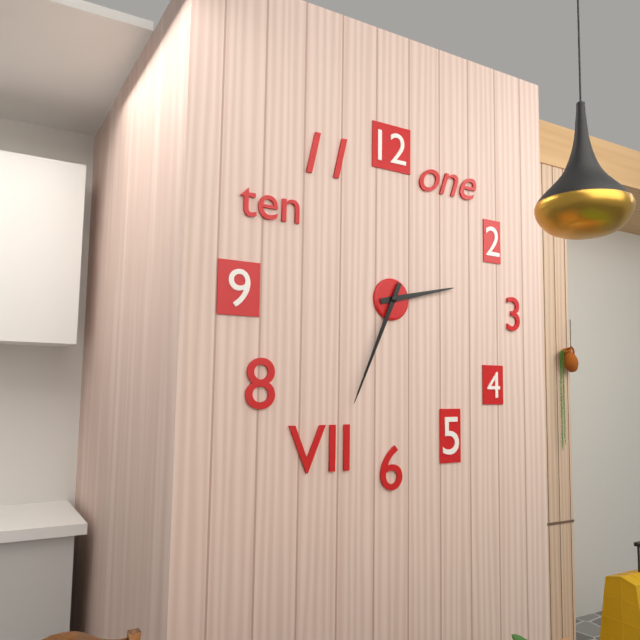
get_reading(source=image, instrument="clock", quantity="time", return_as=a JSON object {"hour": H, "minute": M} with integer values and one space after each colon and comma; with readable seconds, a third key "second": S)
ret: {"hour": 2, "minute": 34}
